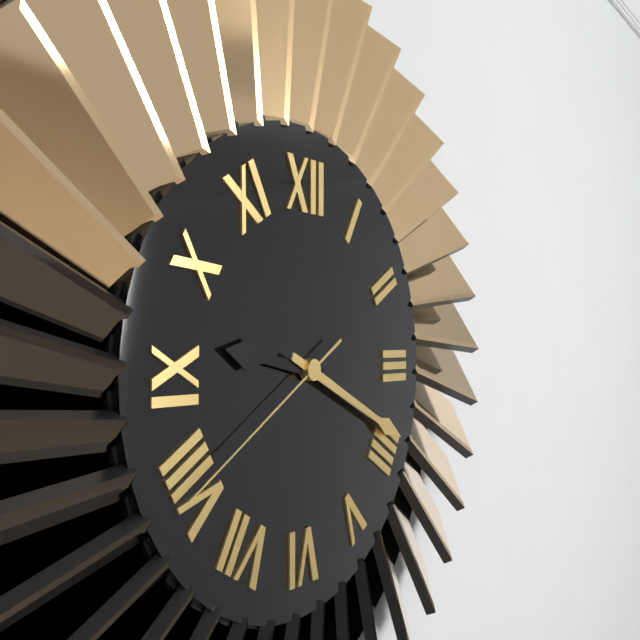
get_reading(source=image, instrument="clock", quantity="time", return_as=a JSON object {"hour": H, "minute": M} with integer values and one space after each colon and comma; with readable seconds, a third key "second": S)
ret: {"hour": 9, "minute": 19, "second": 40}
